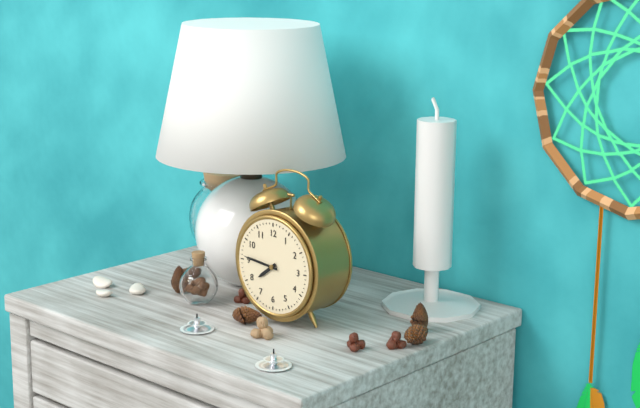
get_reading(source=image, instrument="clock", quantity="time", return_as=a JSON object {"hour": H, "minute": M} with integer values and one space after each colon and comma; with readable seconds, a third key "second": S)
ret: {"hour": 7, "minute": 46}
